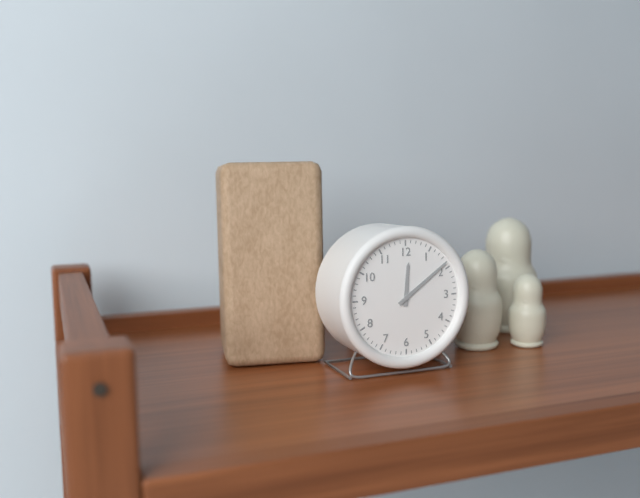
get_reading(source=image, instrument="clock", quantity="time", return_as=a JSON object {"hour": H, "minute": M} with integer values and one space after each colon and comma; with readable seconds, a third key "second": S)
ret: {"hour": 12, "minute": 9}
